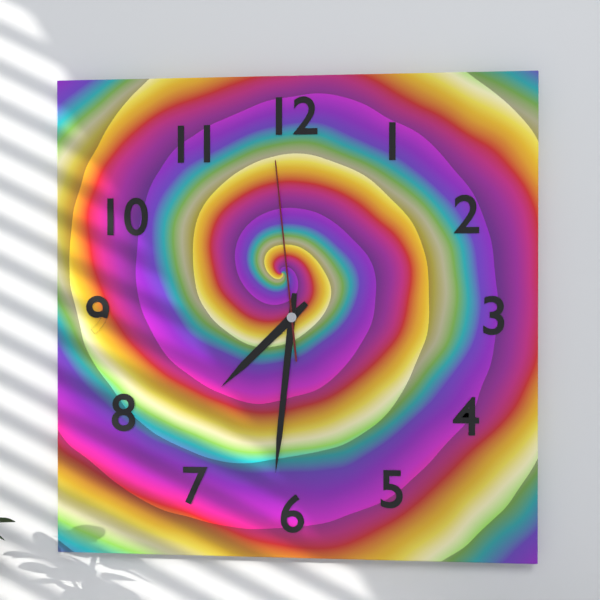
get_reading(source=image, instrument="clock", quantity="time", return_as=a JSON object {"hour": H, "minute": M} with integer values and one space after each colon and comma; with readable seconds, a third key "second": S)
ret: {"hour": 7, "minute": 31, "second": 59}
